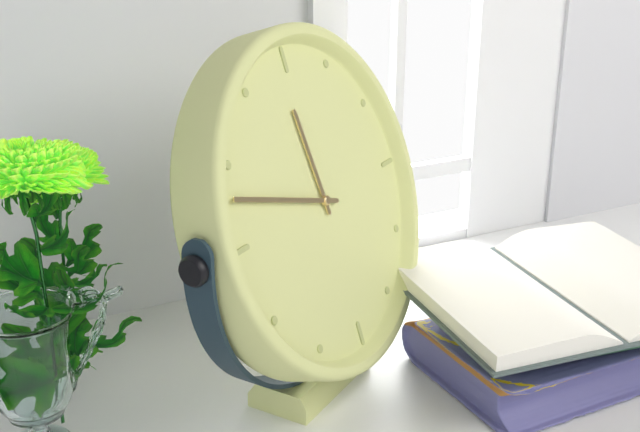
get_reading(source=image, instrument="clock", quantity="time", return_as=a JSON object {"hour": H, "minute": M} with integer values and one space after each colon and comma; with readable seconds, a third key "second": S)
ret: {"hour": 11, "minute": 48}
